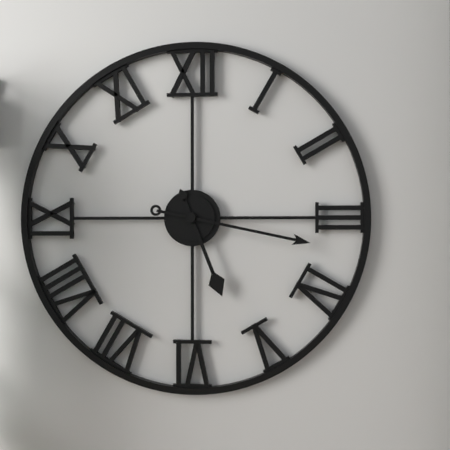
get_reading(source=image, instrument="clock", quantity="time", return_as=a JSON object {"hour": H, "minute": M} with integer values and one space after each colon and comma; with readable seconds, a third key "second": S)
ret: {"hour": 5, "minute": 17}
